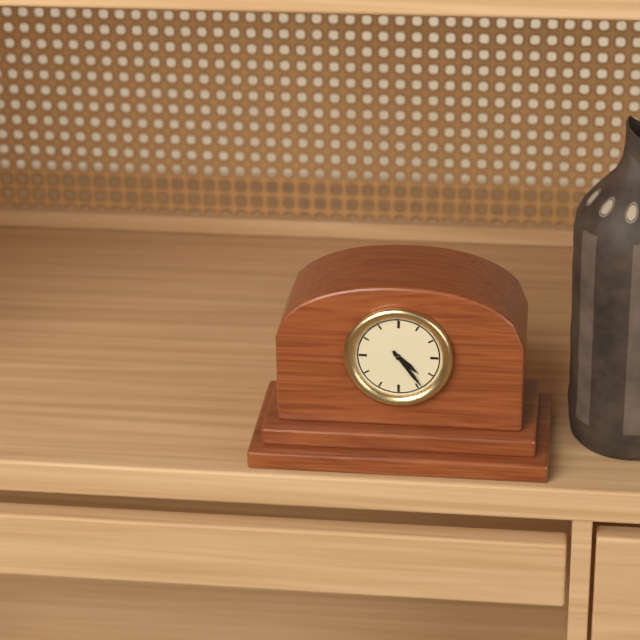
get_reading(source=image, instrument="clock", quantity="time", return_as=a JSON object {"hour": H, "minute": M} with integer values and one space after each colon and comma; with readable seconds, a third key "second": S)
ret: {"hour": 4, "minute": 24}
